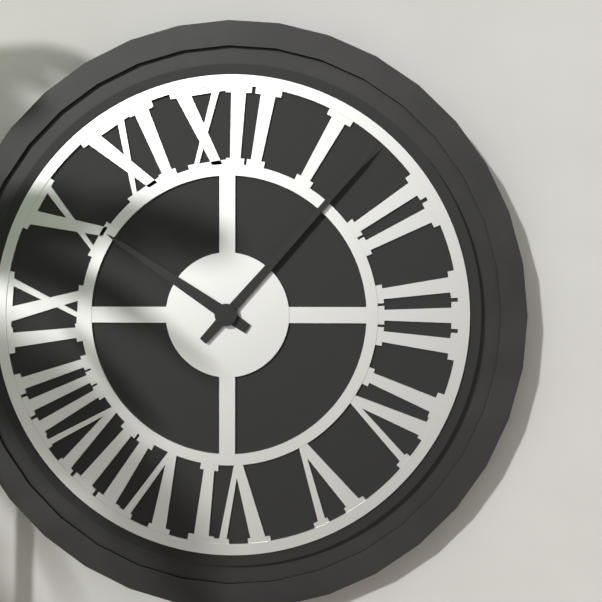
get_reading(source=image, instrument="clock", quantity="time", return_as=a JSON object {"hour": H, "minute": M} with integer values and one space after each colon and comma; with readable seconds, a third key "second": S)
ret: {"hour": 10, "minute": 7}
